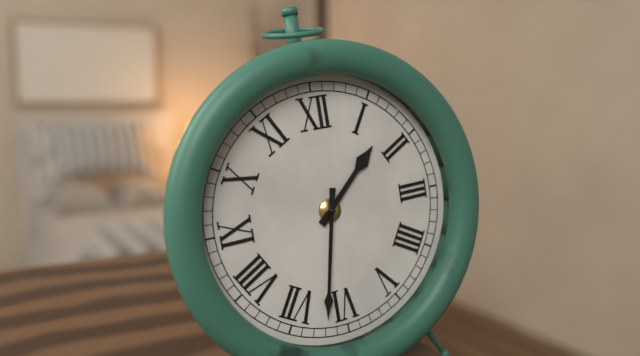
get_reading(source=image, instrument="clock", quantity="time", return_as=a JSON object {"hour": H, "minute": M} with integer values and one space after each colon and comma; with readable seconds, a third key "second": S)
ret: {"hour": 1, "minute": 32}
